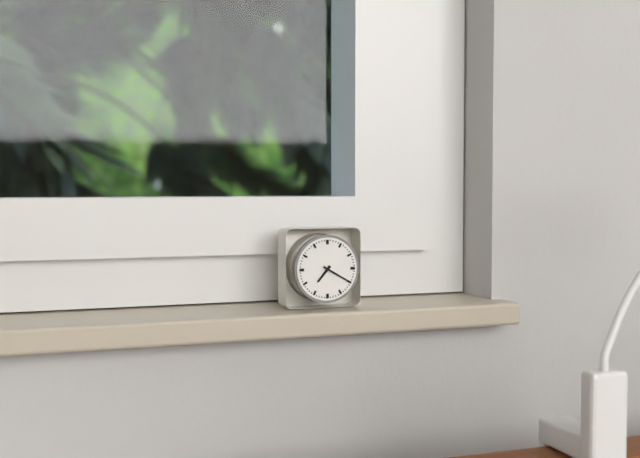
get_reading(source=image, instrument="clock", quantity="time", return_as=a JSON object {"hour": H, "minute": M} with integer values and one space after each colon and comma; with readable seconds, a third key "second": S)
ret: {"hour": 7, "minute": 20}
